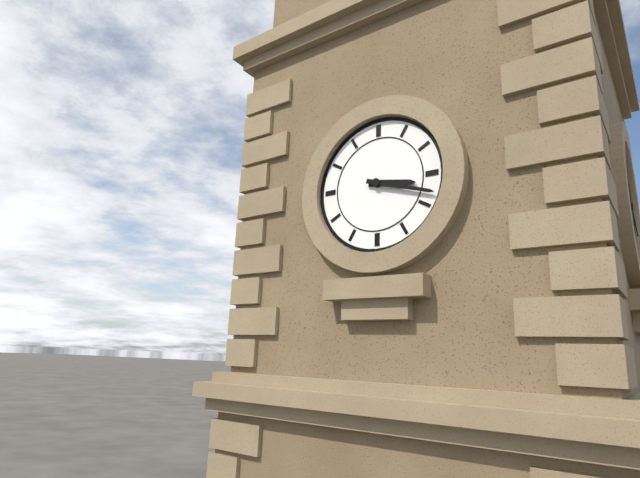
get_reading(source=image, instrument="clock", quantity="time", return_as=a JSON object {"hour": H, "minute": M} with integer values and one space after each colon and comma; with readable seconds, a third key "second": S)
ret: {"hour": 3, "minute": 18}
